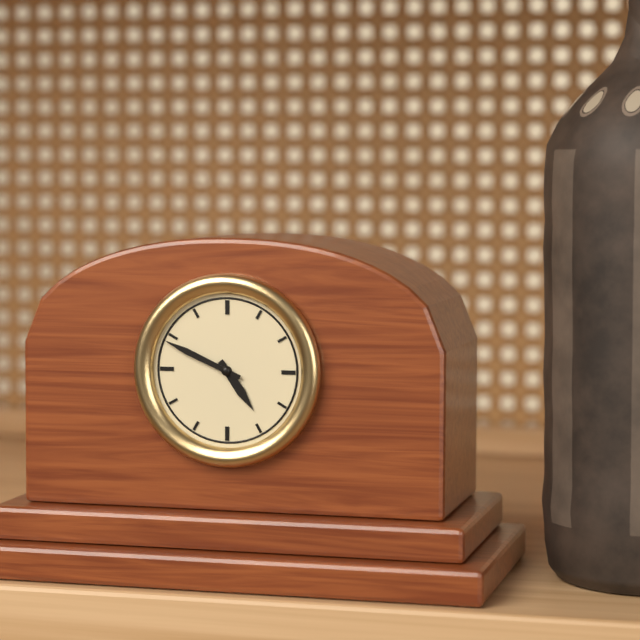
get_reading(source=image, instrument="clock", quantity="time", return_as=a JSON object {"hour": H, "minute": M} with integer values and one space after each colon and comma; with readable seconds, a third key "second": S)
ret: {"hour": 4, "minute": 49}
